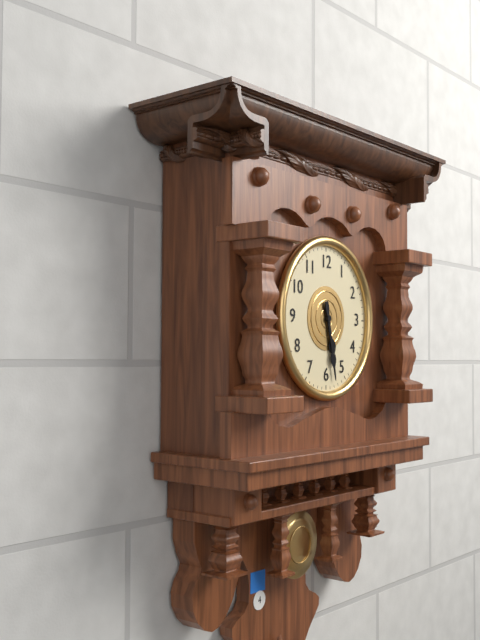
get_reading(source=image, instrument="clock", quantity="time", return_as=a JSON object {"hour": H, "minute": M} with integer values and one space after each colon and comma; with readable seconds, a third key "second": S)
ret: {"hour": 5, "minute": 28}
